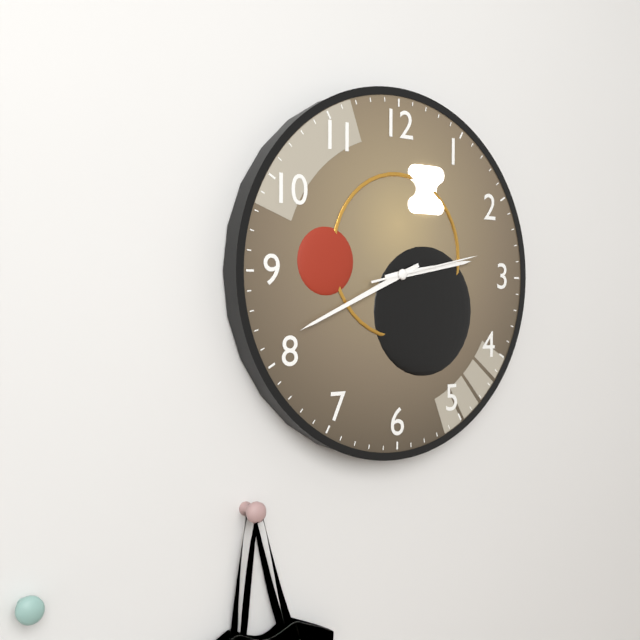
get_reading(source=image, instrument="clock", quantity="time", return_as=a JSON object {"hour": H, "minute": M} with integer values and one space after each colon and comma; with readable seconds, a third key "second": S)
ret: {"hour": 2, "minute": 41, "second": 13}
